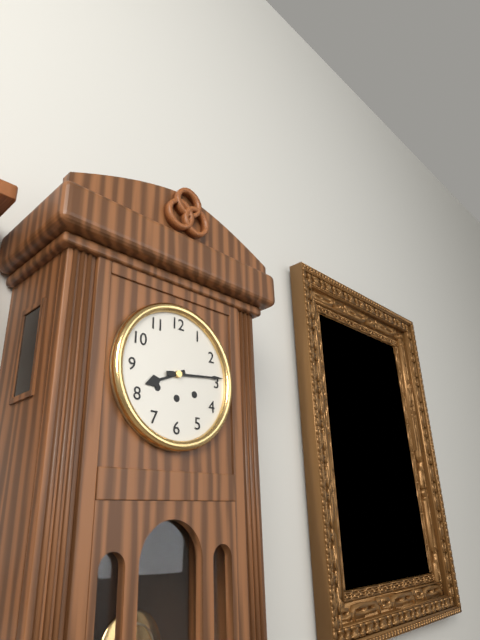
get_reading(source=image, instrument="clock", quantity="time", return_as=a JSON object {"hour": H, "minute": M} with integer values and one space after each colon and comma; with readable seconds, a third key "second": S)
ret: {"hour": 8, "minute": 14}
